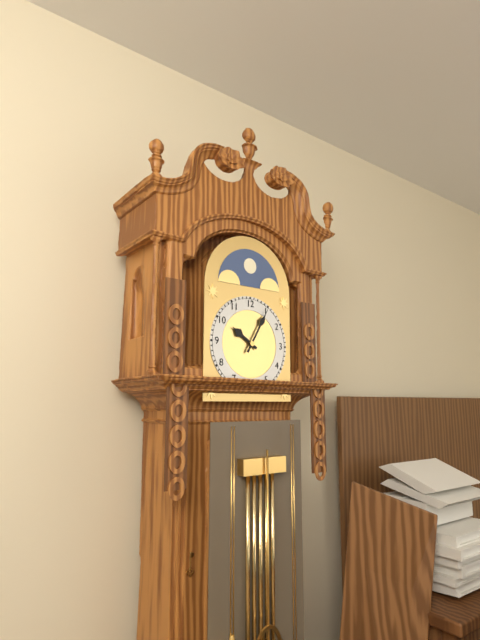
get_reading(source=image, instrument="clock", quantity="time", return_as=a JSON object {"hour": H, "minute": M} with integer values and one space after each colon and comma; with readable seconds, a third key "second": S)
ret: {"hour": 10, "minute": 5}
